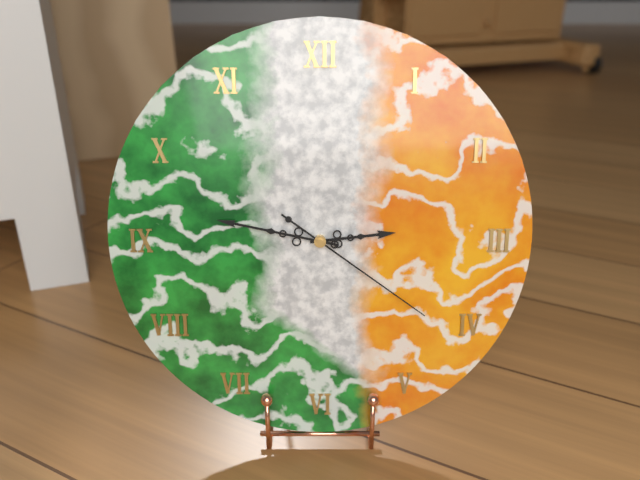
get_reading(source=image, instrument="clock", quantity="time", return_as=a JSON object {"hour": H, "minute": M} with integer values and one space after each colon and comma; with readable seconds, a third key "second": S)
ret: {"hour": 2, "minute": 47, "second": 21}
